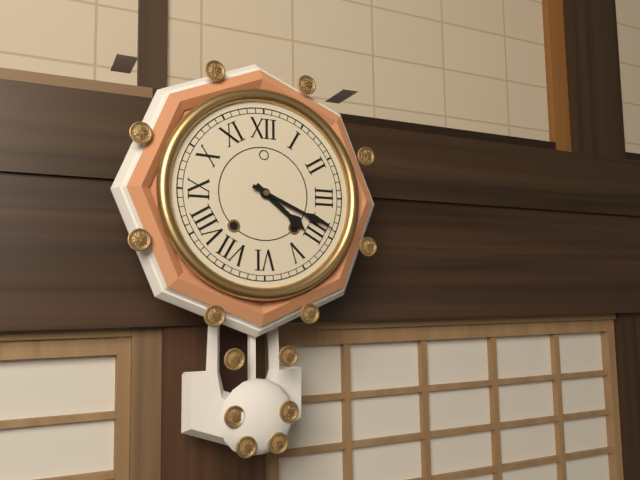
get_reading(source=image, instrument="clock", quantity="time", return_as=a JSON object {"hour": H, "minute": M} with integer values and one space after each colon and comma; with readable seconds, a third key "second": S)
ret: {"hour": 4, "minute": 19}
